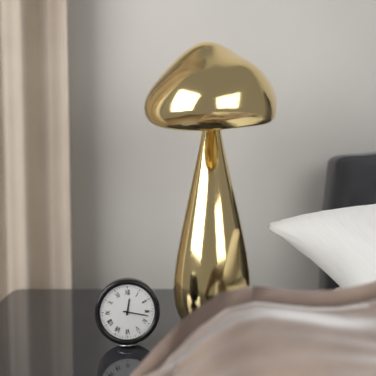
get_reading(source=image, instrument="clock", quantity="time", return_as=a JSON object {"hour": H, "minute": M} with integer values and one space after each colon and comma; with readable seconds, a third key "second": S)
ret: {"hour": 12, "minute": 17}
